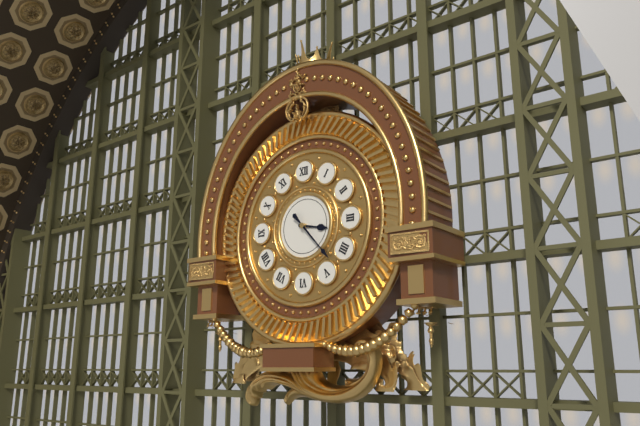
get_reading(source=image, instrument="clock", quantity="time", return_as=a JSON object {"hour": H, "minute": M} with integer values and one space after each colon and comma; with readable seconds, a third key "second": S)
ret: {"hour": 3, "minute": 23}
